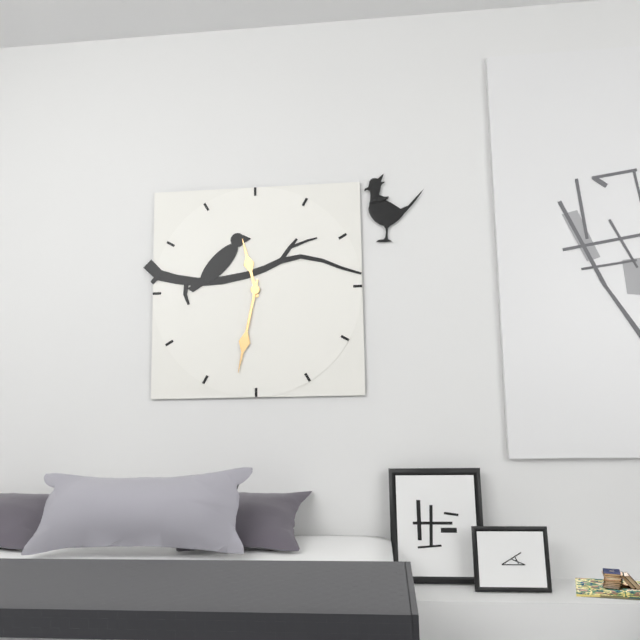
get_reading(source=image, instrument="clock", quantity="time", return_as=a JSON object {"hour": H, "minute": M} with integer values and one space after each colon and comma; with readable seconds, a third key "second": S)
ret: {"hour": 11, "minute": 32}
